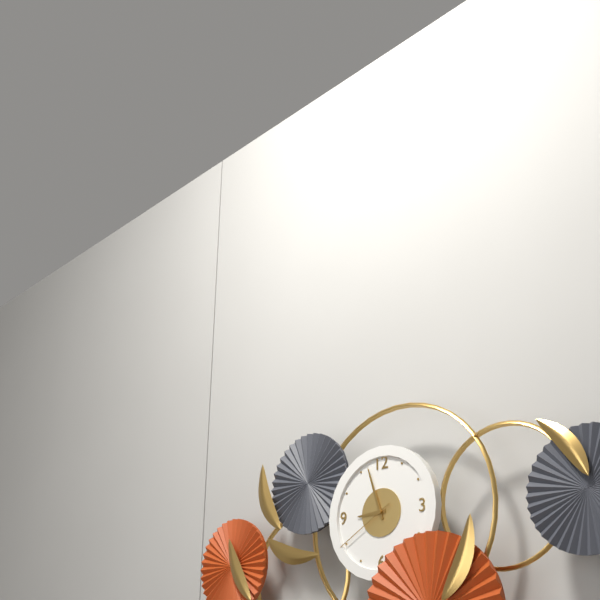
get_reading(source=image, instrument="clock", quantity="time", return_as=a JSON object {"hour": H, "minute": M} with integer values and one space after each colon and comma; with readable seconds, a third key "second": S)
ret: {"hour": 8, "minute": 57, "second": 40}
